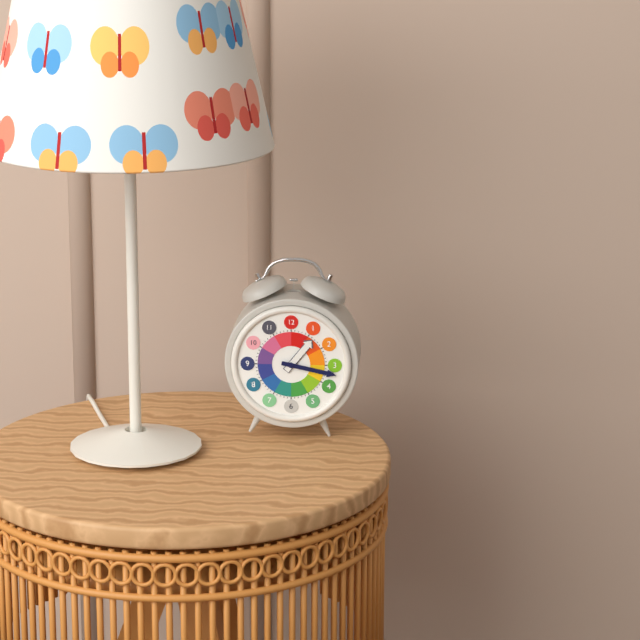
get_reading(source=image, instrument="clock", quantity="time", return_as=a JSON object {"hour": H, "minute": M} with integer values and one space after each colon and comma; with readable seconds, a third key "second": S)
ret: {"hour": 1, "minute": 17}
